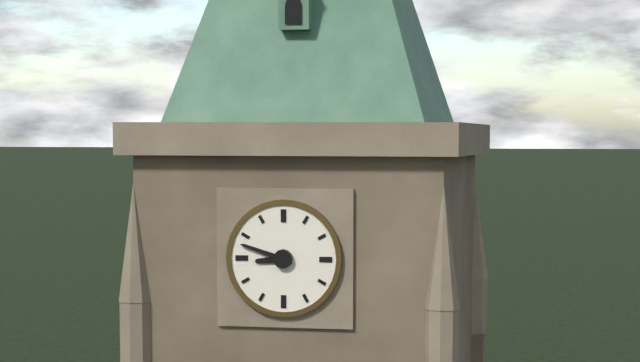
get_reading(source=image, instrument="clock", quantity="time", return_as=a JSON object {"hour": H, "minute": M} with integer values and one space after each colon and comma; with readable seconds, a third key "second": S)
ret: {"hour": 8, "minute": 48}
